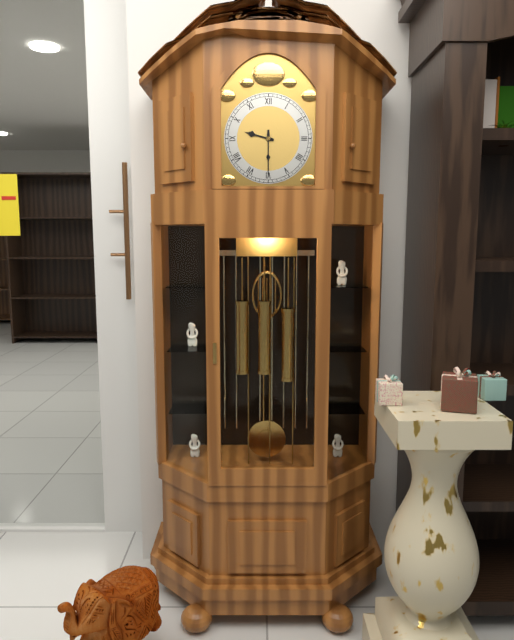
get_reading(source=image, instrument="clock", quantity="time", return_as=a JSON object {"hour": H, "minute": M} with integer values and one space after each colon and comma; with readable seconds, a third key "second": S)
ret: {"hour": 9, "minute": 30}
